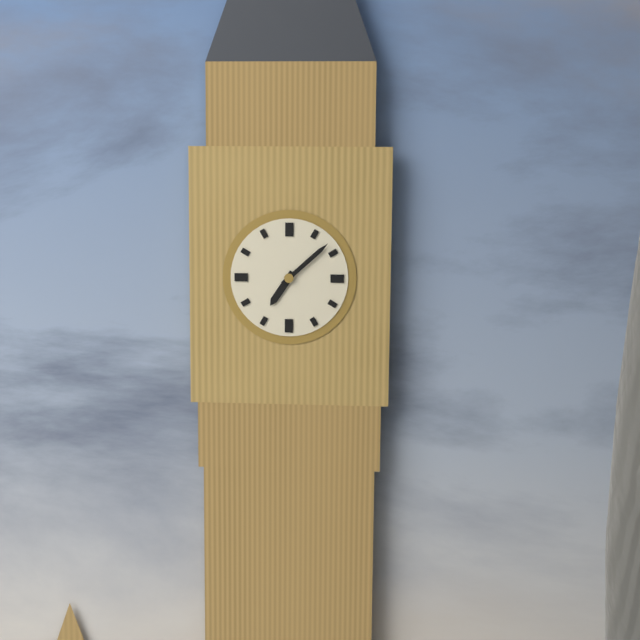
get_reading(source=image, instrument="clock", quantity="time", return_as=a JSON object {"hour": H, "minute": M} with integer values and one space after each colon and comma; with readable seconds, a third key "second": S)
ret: {"hour": 7, "minute": 8}
